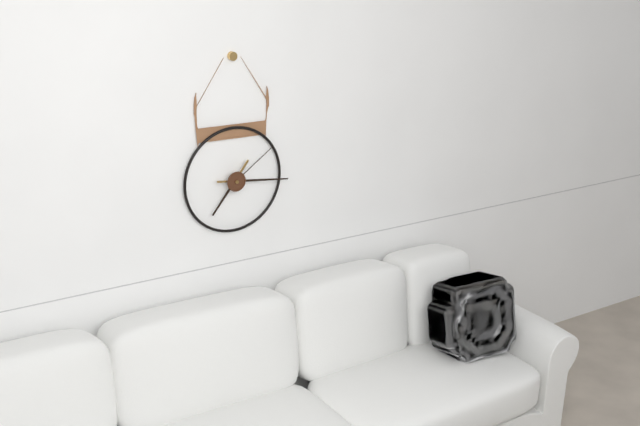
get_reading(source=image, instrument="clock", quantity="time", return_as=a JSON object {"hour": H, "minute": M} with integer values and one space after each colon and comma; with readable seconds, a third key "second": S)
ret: {"hour": 7, "minute": 16, "second": 9}
